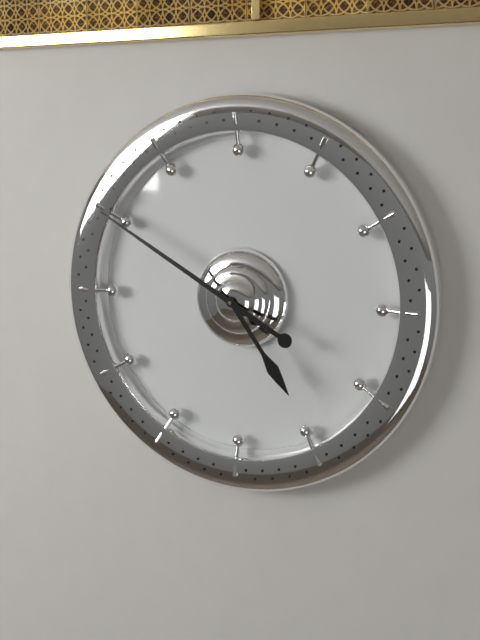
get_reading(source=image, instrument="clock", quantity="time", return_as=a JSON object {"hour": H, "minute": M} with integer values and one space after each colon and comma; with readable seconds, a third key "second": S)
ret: {"hour": 4, "minute": 50}
